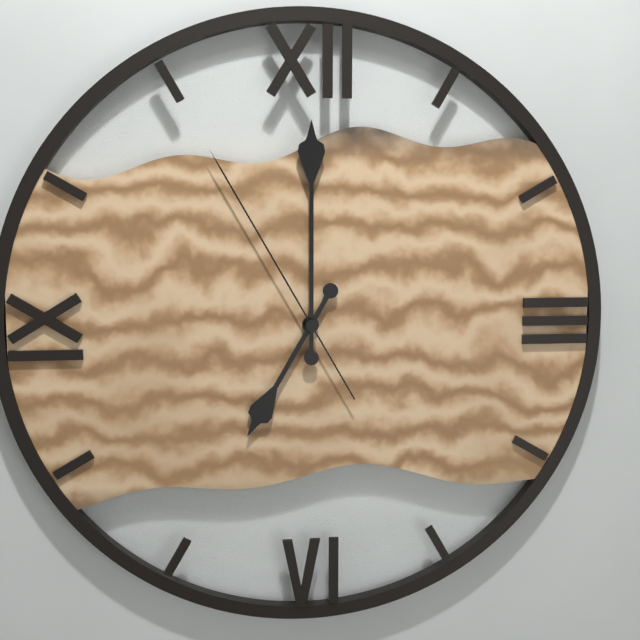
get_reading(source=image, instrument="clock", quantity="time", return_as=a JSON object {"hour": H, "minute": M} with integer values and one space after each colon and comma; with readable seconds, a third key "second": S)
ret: {"hour": 7, "minute": 0, "second": 55}
